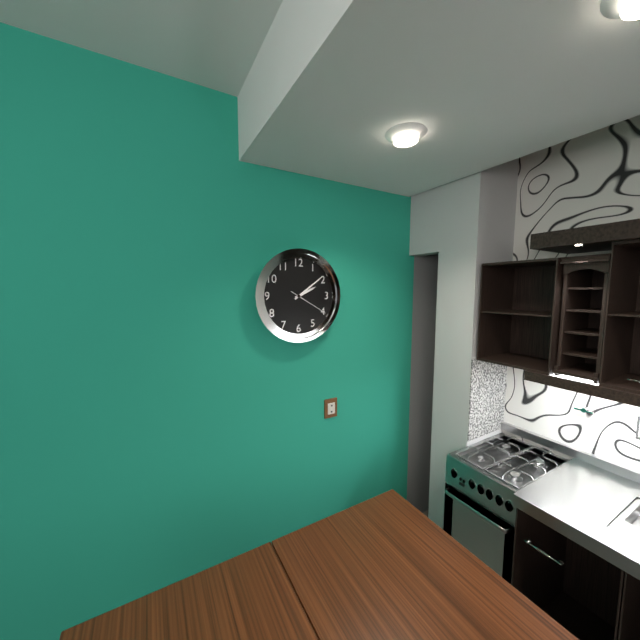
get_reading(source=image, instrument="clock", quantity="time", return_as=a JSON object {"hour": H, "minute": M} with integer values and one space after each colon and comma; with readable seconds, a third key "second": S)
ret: {"hour": 2, "minute": 9}
